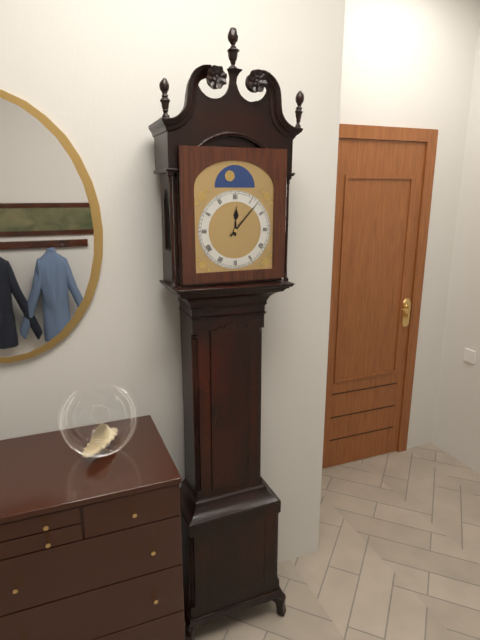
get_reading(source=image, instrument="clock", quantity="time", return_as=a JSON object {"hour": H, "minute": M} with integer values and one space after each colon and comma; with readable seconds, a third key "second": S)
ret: {"hour": 12, "minute": 7}
